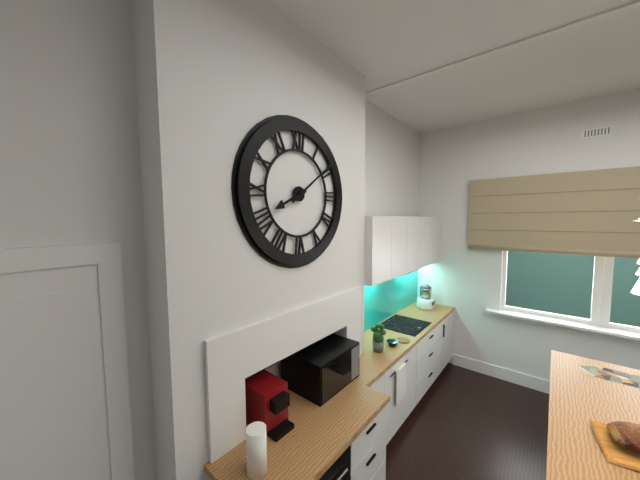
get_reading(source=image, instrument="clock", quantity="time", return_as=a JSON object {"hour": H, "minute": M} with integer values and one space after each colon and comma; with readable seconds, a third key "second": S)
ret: {"hour": 8, "minute": 9}
